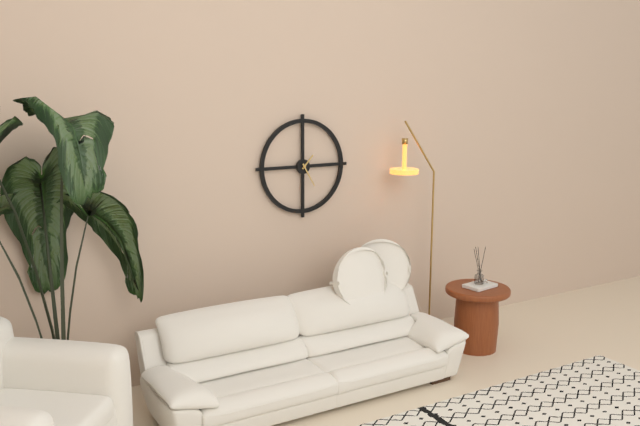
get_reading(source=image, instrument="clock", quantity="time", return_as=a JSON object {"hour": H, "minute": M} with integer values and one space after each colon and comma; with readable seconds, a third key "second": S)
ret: {"hour": 1, "minute": 25}
